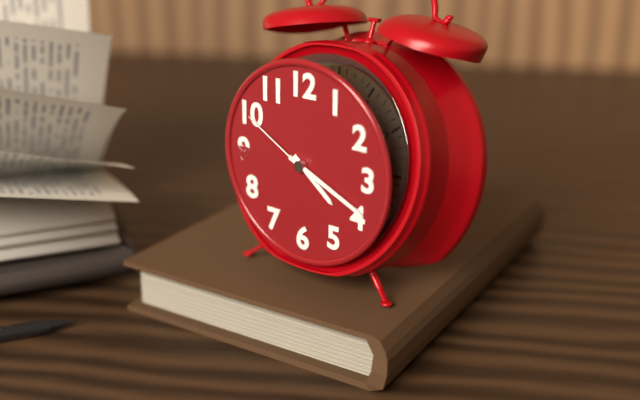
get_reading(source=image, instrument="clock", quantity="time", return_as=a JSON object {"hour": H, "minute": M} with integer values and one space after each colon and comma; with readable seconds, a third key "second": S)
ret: {"hour": 4, "minute": 19, "second": 50}
